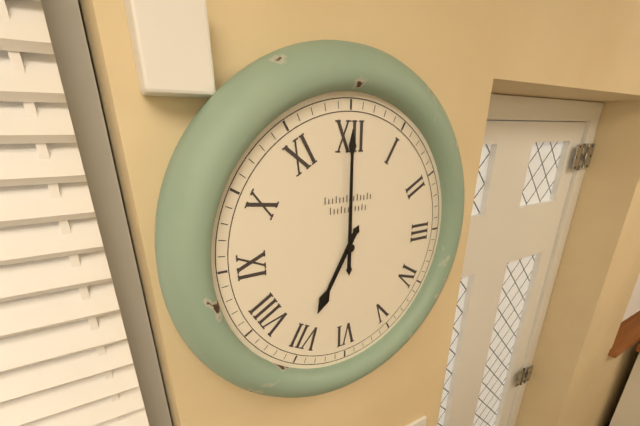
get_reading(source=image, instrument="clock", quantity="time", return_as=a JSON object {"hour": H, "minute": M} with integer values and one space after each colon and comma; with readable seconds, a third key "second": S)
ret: {"hour": 7, "minute": 0}
